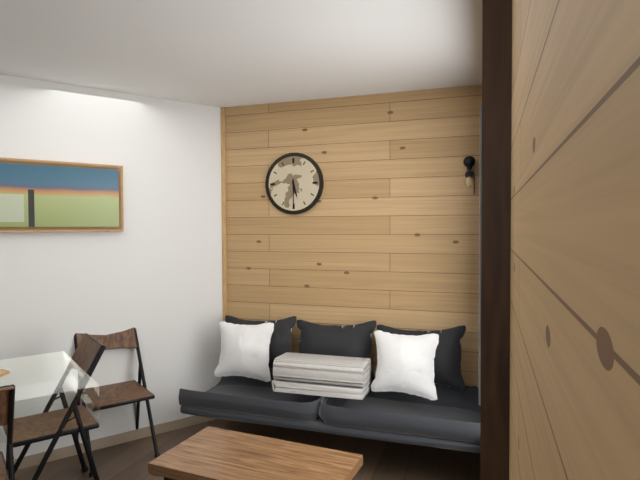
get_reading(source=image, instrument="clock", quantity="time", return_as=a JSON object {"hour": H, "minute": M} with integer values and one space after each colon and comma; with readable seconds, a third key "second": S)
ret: {"hour": 5, "minute": 30}
